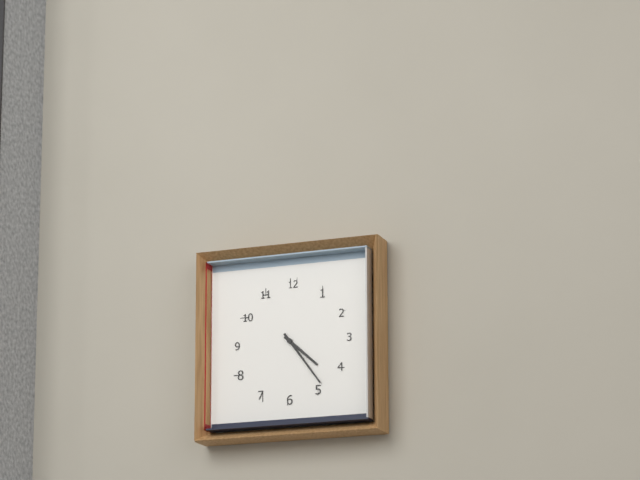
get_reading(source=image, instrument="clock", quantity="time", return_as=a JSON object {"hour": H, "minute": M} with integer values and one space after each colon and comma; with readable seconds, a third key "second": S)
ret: {"hour": 4, "minute": 24}
